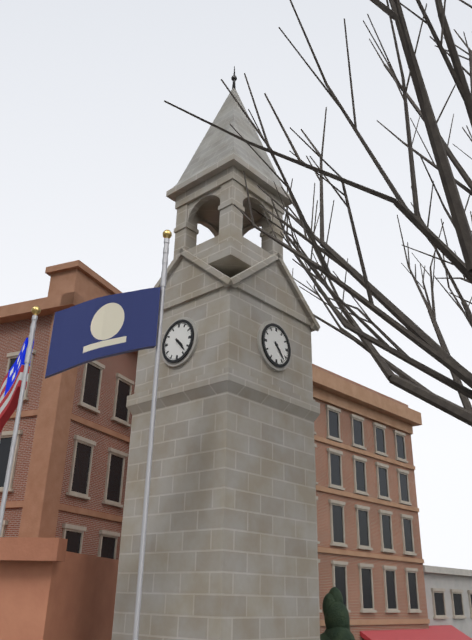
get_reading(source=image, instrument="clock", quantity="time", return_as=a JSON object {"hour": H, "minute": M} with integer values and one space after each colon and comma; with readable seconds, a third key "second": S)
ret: {"hour": 4, "minute": 23}
